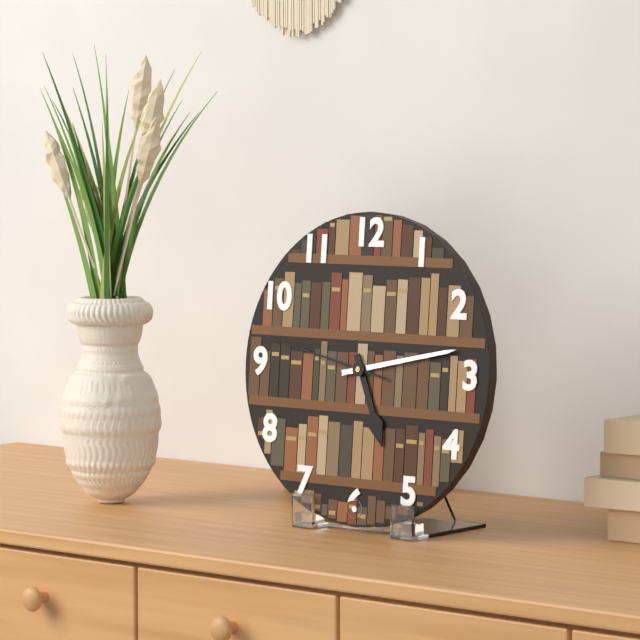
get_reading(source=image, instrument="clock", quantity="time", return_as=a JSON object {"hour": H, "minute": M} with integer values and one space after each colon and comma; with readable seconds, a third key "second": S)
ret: {"hour": 5, "minute": 13, "second": 47}
